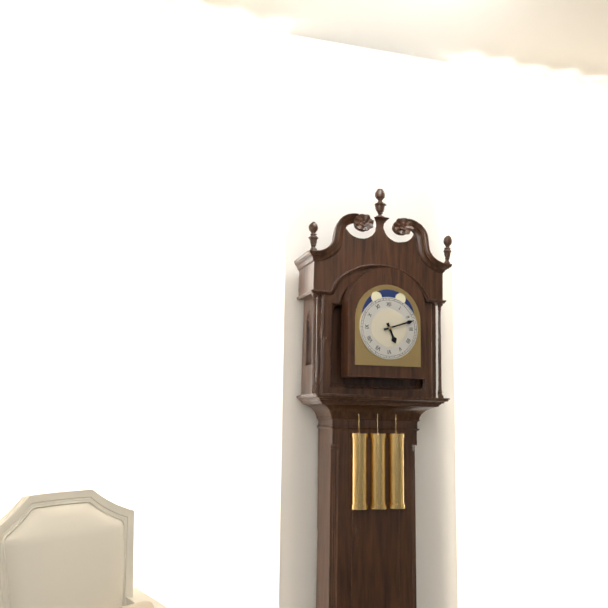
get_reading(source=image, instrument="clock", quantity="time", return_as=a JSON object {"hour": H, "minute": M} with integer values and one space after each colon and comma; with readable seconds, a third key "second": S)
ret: {"hour": 5, "minute": 12}
